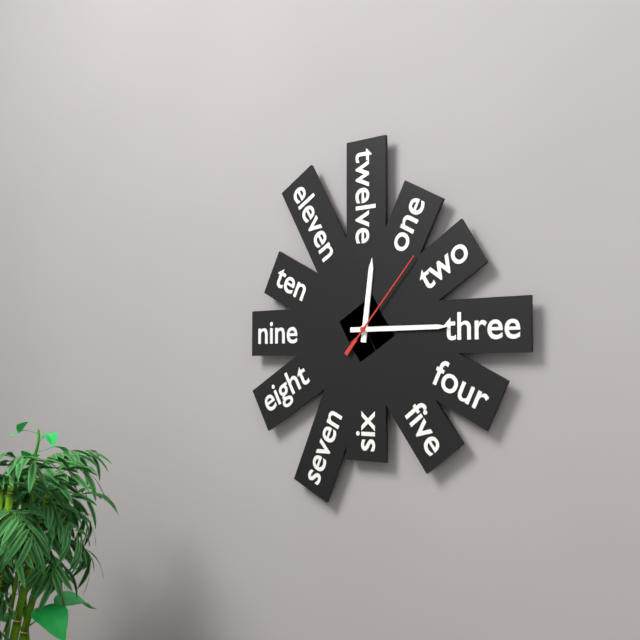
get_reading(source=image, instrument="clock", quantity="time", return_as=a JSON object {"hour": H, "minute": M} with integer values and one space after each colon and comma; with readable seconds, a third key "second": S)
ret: {"hour": 12, "minute": 15, "second": 7}
